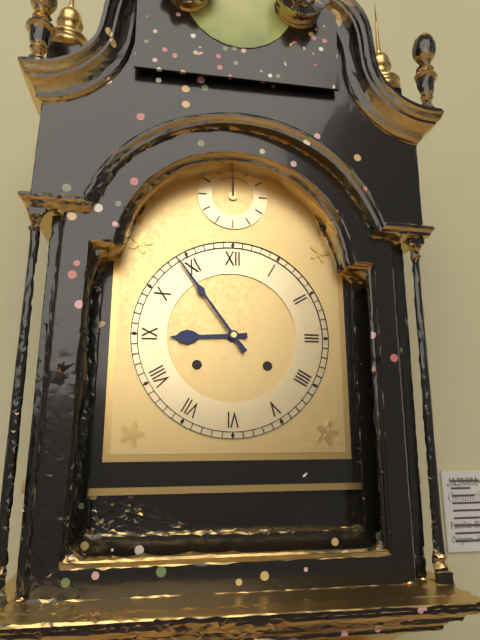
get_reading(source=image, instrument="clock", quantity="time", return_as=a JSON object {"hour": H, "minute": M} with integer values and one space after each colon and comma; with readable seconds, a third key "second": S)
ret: {"hour": 8, "minute": 54}
